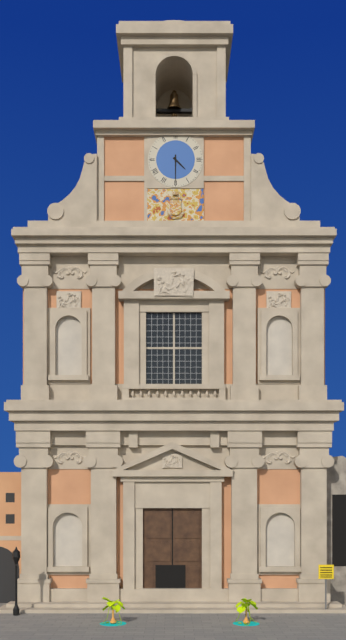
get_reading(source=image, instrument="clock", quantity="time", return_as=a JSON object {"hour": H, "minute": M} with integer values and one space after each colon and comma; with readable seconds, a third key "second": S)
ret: {"hour": 4, "minute": 30}
